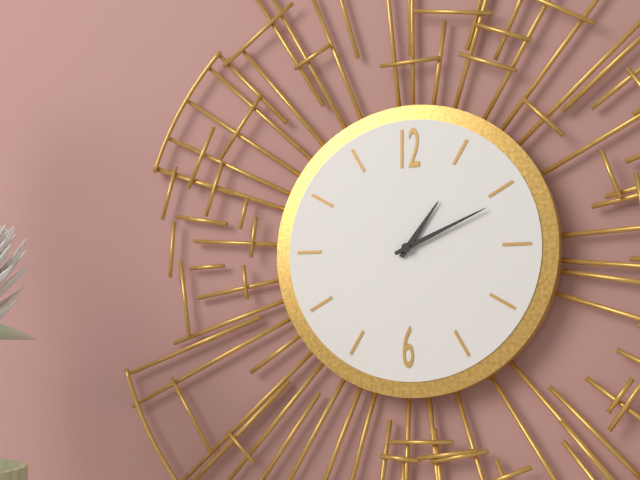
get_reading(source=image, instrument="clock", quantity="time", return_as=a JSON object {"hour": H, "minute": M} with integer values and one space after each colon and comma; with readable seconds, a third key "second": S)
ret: {"hour": 1, "minute": 11}
